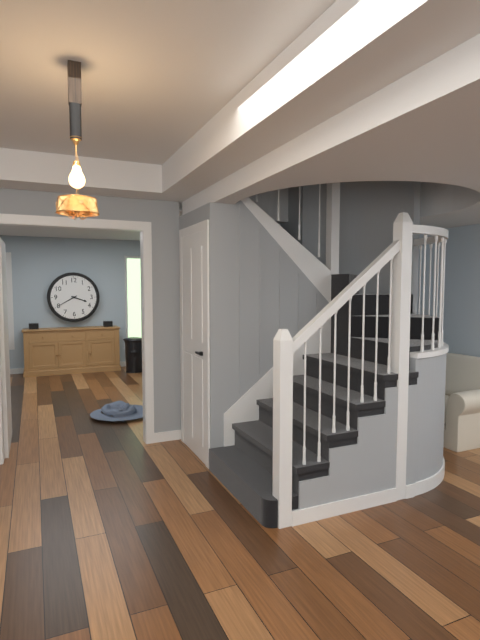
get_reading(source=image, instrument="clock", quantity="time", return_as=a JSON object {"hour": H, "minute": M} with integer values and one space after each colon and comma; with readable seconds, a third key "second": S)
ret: {"hour": 3, "minute": 40}
